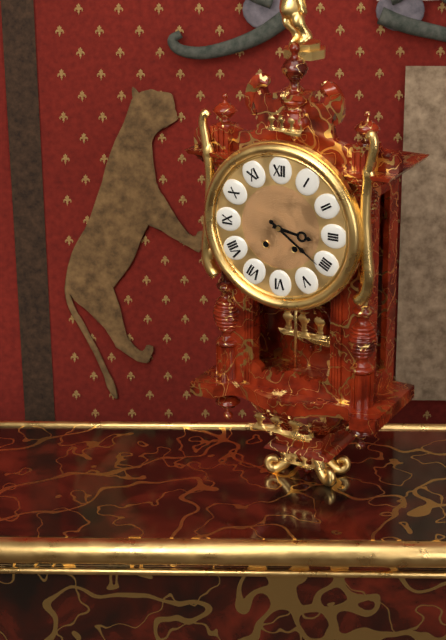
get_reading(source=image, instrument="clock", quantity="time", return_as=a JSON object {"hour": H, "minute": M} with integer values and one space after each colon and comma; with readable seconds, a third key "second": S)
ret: {"hour": 3, "minute": 21}
